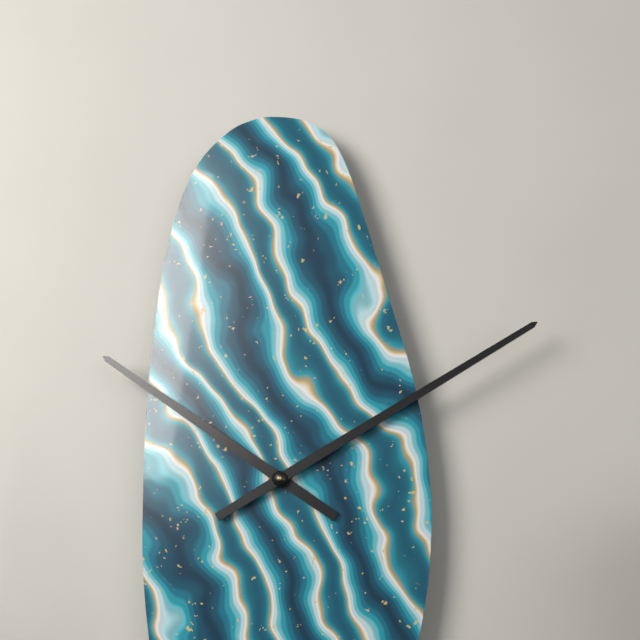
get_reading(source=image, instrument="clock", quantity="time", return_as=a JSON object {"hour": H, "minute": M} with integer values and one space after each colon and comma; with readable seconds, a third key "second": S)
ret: {"hour": 10, "minute": 10}
